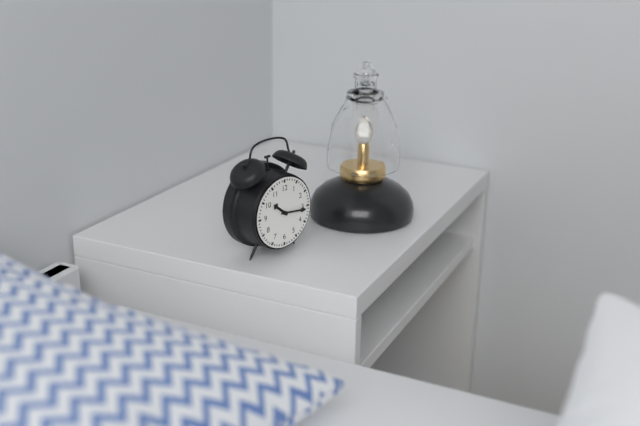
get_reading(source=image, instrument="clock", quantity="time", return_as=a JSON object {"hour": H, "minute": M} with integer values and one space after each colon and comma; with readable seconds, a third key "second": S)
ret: {"hour": 10, "minute": 16}
